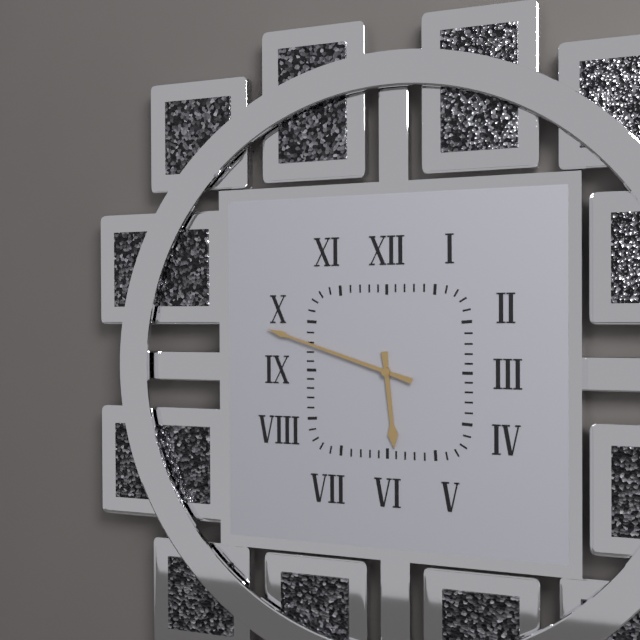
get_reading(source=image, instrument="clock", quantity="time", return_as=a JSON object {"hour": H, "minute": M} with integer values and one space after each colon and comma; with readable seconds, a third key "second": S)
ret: {"hour": 5, "minute": 48}
